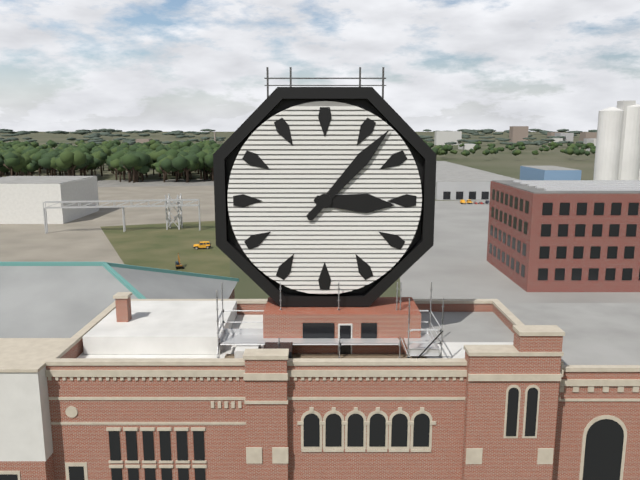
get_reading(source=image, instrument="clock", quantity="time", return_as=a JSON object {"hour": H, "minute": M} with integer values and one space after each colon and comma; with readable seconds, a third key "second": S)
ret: {"hour": 3, "minute": 7}
